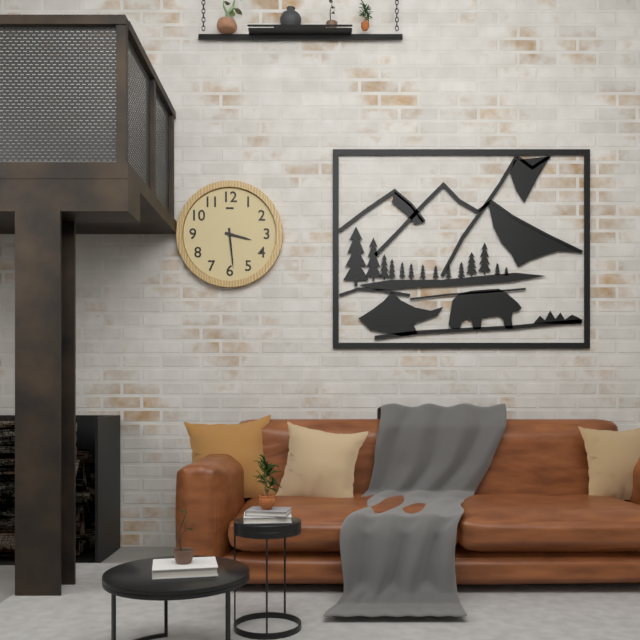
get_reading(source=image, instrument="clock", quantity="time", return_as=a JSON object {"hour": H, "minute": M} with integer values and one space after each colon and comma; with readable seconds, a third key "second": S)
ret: {"hour": 3, "minute": 29}
